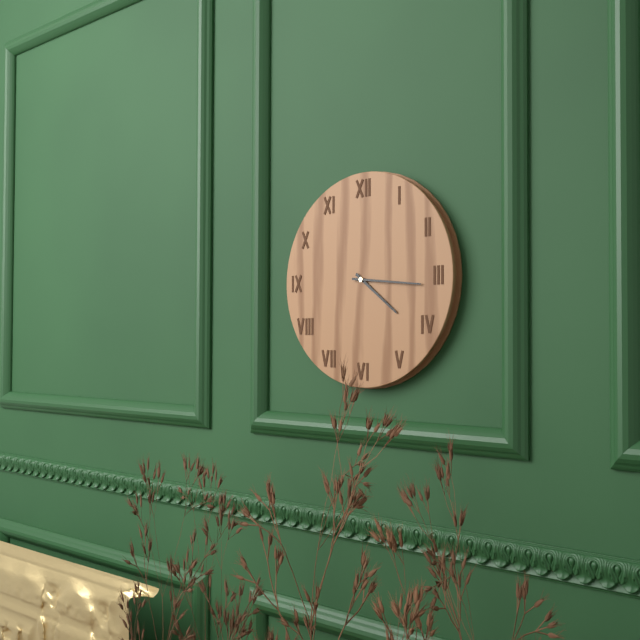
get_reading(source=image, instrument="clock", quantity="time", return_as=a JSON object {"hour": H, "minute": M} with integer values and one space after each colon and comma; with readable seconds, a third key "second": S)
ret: {"hour": 4, "minute": 16}
